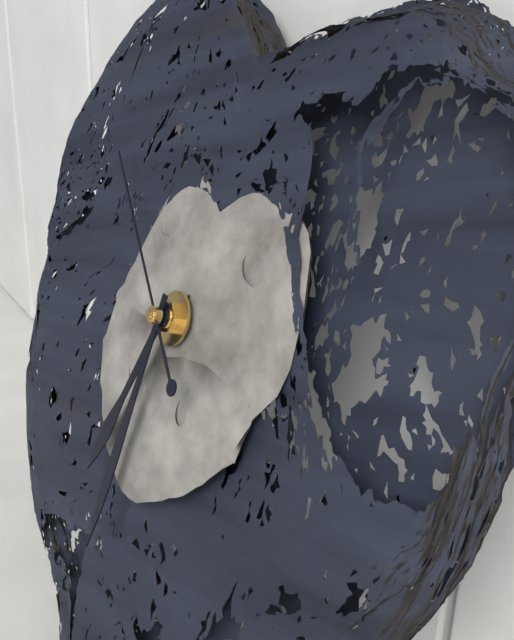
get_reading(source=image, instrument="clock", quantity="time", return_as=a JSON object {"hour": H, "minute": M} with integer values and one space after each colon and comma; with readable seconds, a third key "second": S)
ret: {"hour": 6, "minute": 30, "second": 51}
